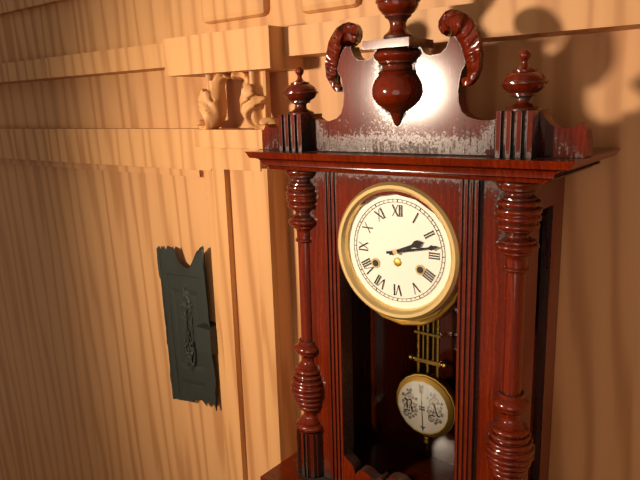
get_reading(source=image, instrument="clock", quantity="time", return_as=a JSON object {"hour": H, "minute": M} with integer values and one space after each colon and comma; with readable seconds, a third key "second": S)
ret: {"hour": 2, "minute": 13}
